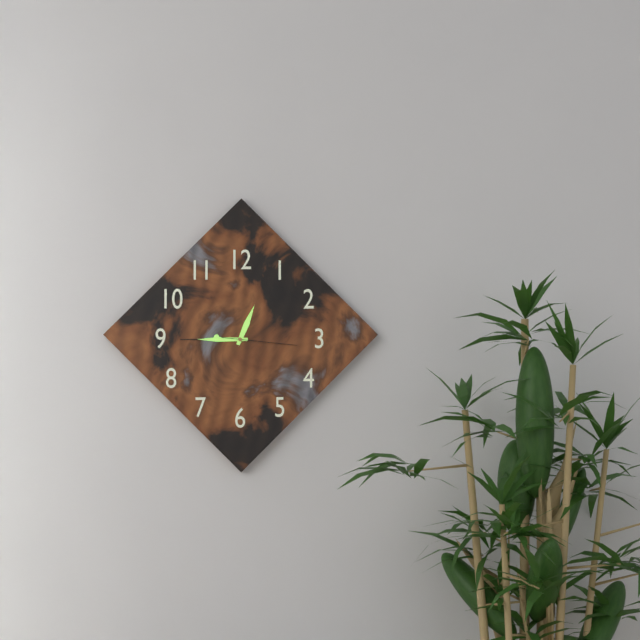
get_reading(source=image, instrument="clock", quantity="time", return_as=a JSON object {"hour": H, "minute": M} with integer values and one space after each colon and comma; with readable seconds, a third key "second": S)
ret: {"hour": 12, "minute": 45, "second": 16}
